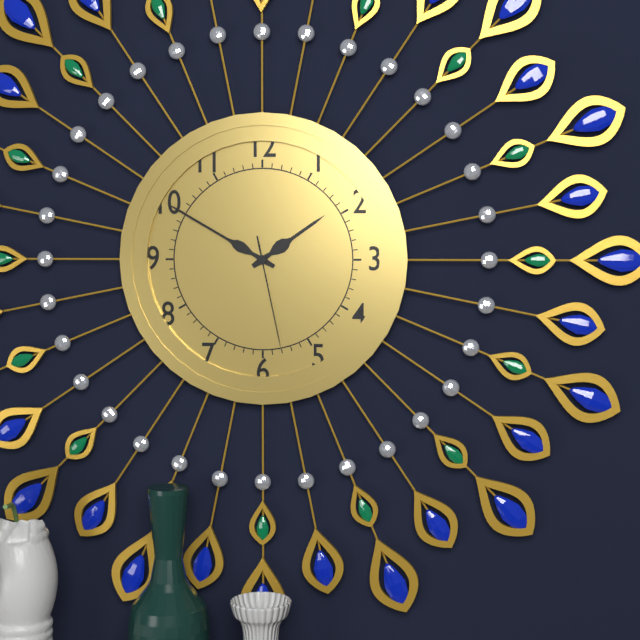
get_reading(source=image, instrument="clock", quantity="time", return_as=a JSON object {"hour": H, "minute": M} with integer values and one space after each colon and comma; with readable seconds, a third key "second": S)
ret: {"hour": 1, "minute": 50, "second": 28}
